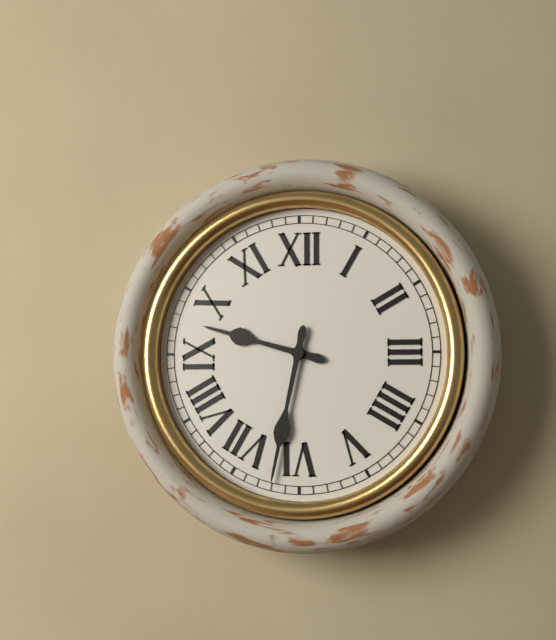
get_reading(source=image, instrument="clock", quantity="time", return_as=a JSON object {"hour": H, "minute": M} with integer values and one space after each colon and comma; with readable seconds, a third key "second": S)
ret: {"hour": 9, "minute": 32}
